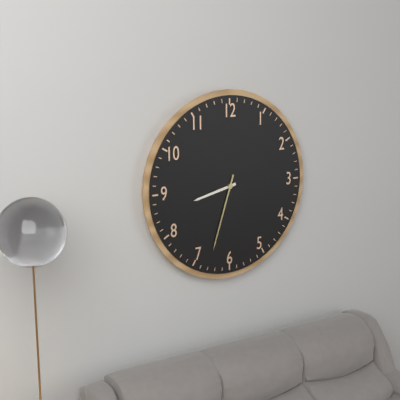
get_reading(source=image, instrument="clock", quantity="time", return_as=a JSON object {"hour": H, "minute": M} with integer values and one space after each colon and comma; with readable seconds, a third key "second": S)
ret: {"hour": 8, "minute": 33}
